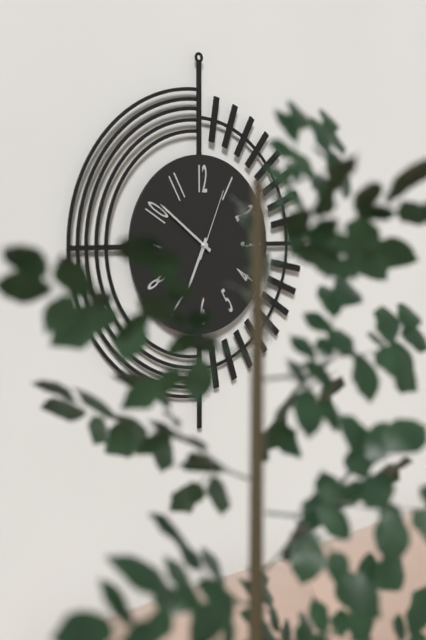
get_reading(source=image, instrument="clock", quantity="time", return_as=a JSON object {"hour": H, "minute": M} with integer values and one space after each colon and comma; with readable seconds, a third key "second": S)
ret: {"hour": 6, "minute": 51, "second": 4}
